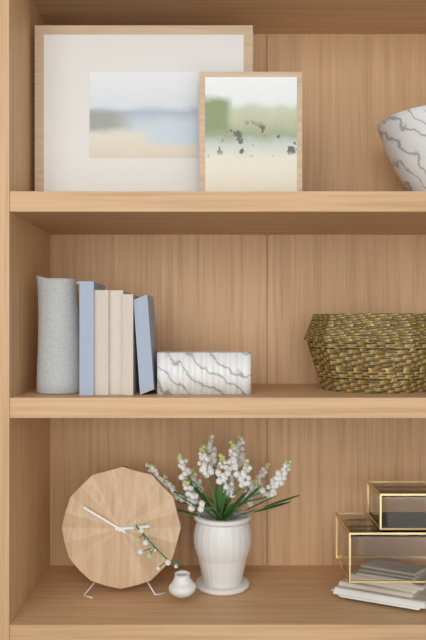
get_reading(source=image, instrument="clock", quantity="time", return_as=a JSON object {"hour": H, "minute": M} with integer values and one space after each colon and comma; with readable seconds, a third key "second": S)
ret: {"hour": 2, "minute": 50}
